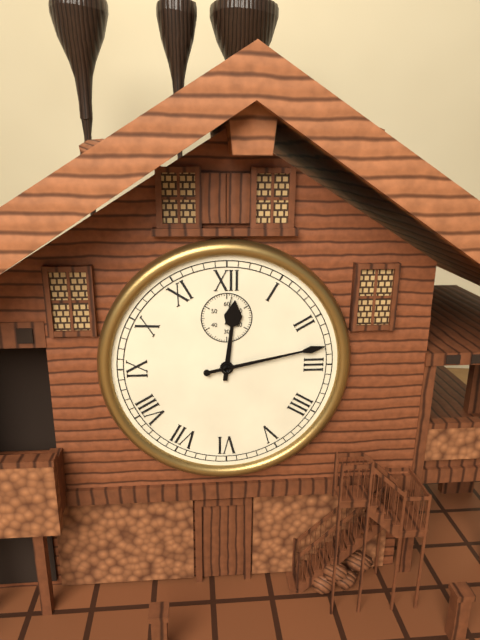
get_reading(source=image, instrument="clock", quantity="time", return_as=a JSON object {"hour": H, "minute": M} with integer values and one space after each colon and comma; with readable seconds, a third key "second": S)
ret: {"hour": 12, "minute": 13}
